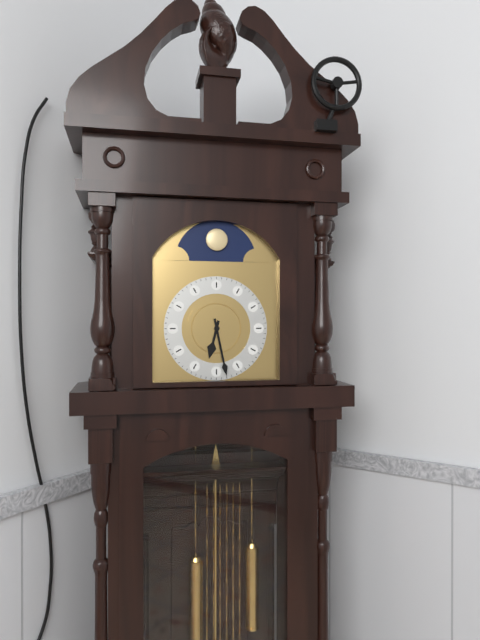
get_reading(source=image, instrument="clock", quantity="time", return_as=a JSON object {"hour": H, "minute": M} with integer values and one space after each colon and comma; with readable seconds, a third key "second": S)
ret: {"hour": 6, "minute": 28}
